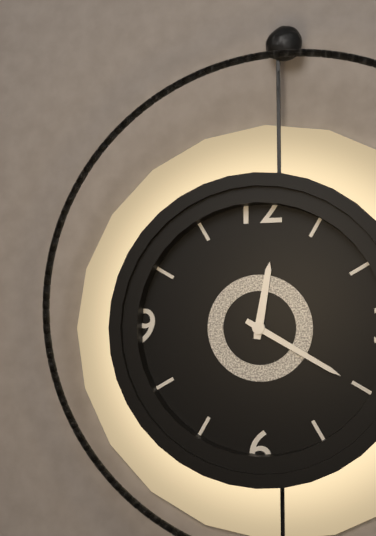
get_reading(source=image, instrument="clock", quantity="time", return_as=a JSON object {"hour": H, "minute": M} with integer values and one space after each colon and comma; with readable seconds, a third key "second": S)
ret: {"hour": 12, "minute": 20}
